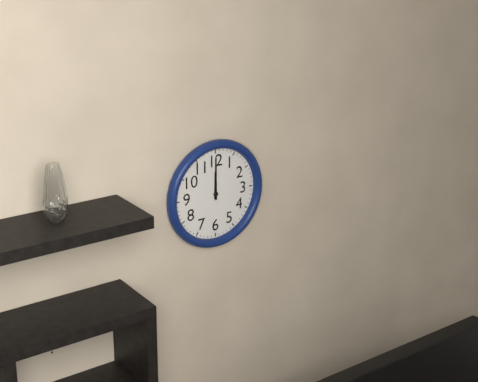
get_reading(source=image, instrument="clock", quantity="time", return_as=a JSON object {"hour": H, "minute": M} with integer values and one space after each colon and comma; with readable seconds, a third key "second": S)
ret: {"hour": 12, "minute": 0}
